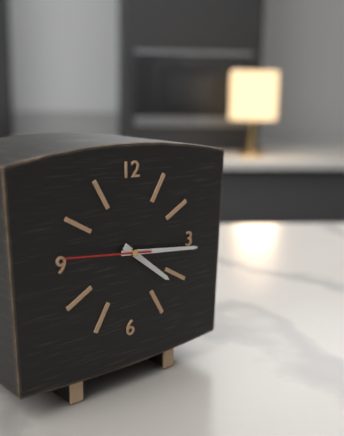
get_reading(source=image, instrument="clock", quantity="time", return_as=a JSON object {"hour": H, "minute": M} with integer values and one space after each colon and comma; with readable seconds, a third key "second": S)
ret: {"hour": 4, "minute": 16, "second": 46}
